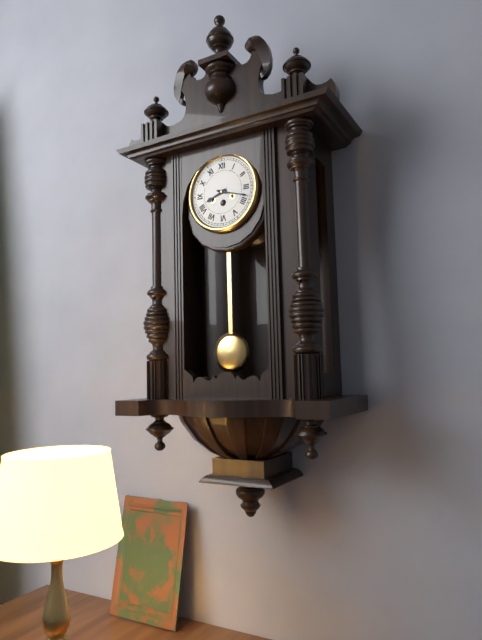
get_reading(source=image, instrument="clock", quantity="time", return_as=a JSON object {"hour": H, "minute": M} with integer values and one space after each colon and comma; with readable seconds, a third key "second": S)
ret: {"hour": 8, "minute": 18}
